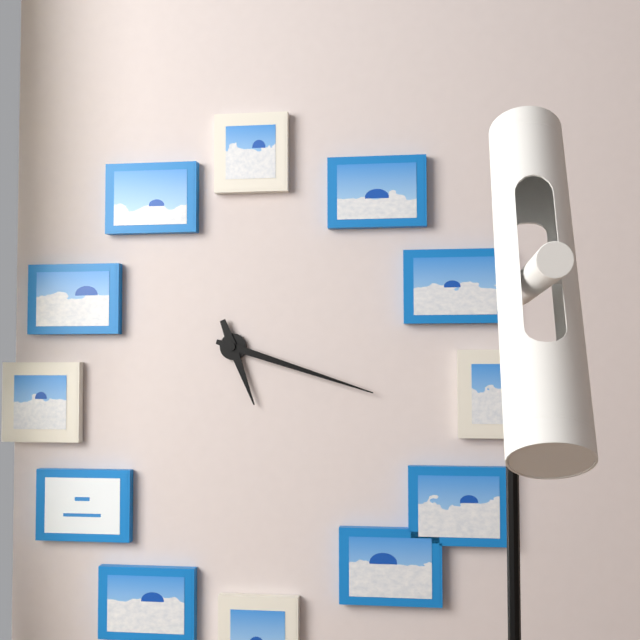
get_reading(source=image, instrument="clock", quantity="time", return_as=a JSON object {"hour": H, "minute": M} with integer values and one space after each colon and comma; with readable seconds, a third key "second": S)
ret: {"hour": 5, "minute": 18}
